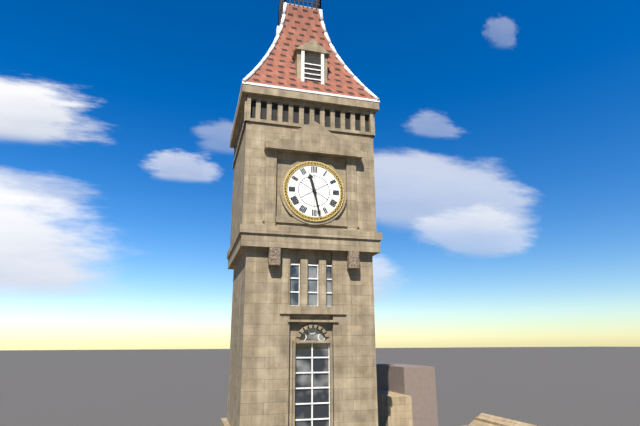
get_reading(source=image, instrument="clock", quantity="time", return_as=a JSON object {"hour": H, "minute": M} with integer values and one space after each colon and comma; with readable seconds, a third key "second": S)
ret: {"hour": 11, "minute": 28}
